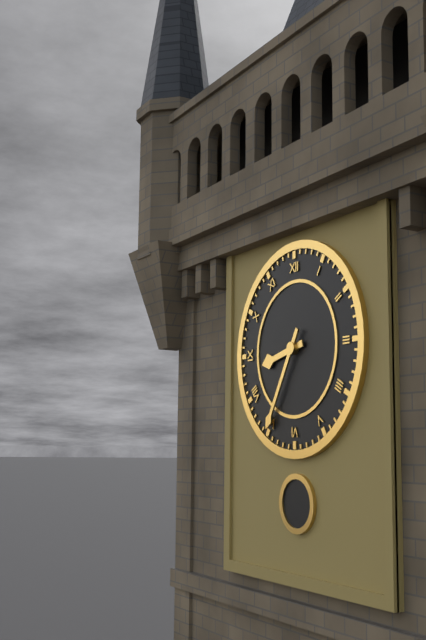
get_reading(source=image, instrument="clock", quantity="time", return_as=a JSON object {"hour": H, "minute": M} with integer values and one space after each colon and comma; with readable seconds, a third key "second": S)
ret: {"hour": 8, "minute": 35}
